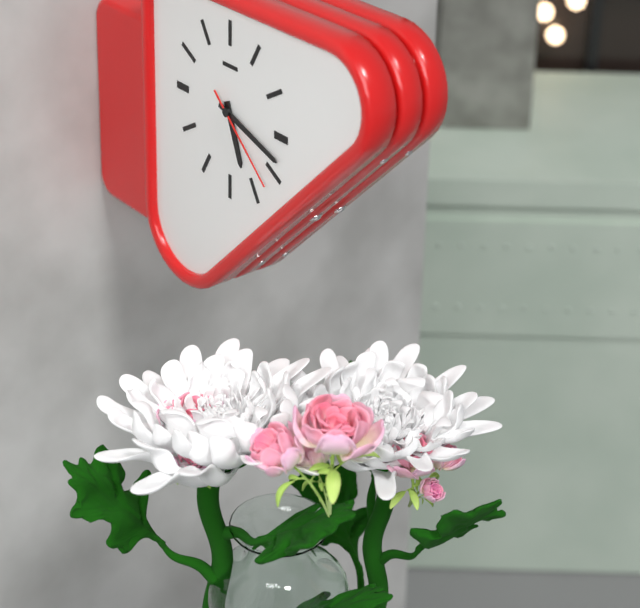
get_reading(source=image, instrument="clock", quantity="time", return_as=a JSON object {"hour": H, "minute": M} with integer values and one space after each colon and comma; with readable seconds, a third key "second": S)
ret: {"hour": 5, "minute": 18, "second": 22}
